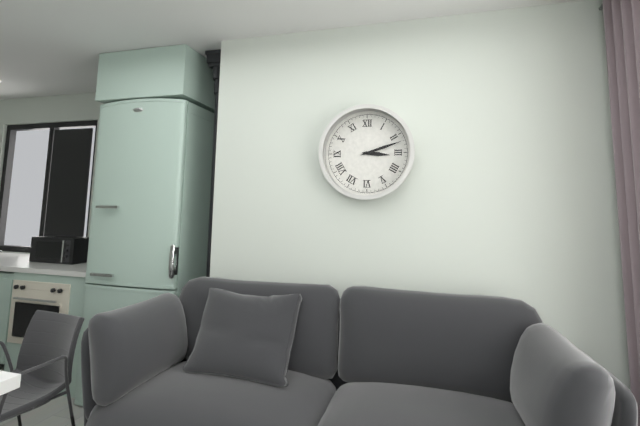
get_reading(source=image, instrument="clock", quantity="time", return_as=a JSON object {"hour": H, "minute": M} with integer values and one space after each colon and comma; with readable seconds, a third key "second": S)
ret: {"hour": 3, "minute": 12}
